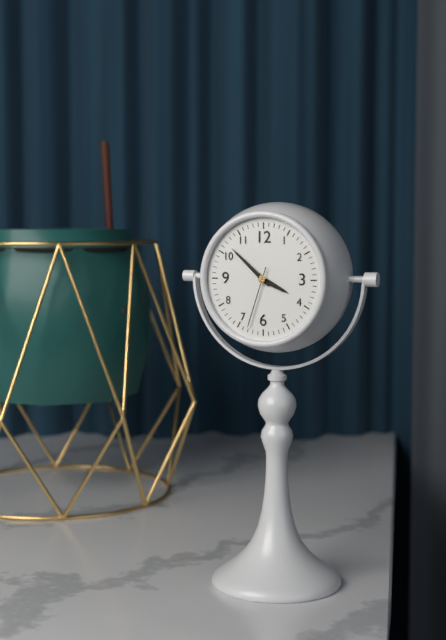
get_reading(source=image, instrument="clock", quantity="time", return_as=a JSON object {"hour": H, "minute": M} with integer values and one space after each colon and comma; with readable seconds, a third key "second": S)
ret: {"hour": 3, "minute": 52, "second": 33}
